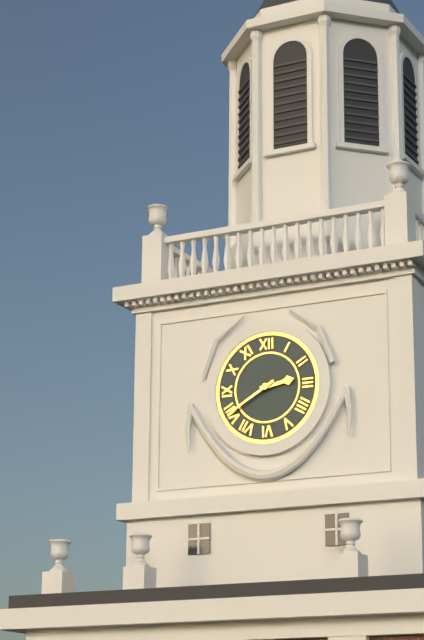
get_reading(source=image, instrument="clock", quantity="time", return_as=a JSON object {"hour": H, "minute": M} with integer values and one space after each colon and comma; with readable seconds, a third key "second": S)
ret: {"hour": 2, "minute": 40}
